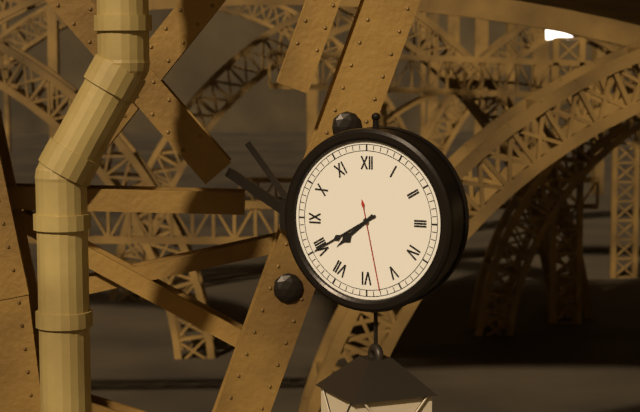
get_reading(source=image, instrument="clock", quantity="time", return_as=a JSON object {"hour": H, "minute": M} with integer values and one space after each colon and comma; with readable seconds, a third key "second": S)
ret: {"hour": 7, "minute": 40, "second": 28}
